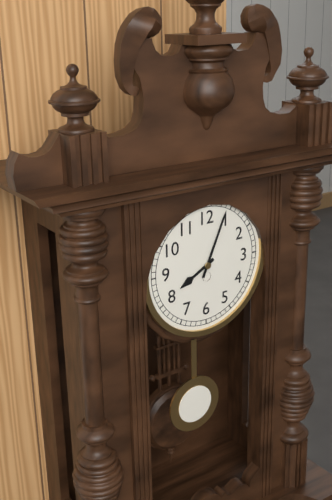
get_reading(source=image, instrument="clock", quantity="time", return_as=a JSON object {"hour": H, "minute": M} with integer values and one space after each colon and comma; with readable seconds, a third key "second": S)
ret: {"hour": 8, "minute": 4}
